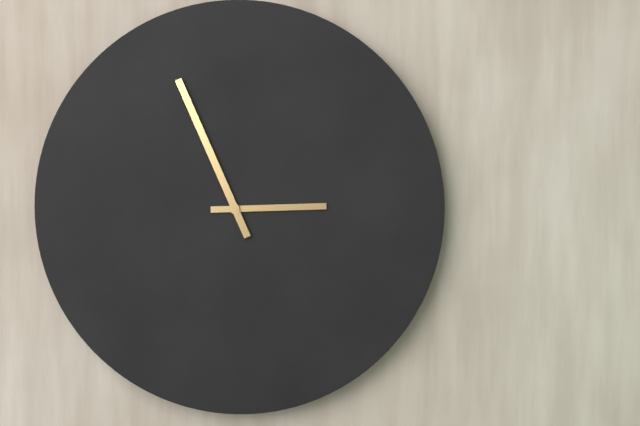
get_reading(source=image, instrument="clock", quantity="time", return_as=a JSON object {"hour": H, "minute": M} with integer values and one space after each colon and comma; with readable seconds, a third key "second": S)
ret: {"hour": 2, "minute": 56}
